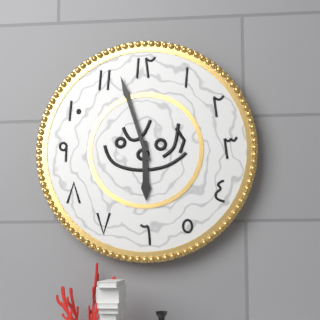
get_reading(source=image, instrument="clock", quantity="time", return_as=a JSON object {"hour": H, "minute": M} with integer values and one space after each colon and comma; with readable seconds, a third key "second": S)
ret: {"hour": 5, "minute": 57}
